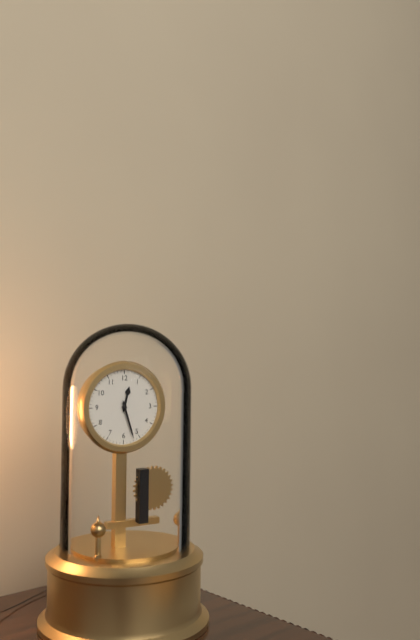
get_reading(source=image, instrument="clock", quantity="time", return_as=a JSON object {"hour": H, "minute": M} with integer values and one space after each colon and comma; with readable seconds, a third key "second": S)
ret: {"hour": 12, "minute": 27}
